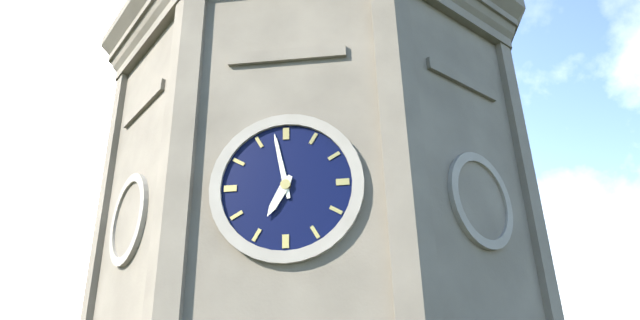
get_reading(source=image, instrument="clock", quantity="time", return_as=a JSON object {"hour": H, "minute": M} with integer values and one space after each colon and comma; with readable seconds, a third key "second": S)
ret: {"hour": 6, "minute": 58}
